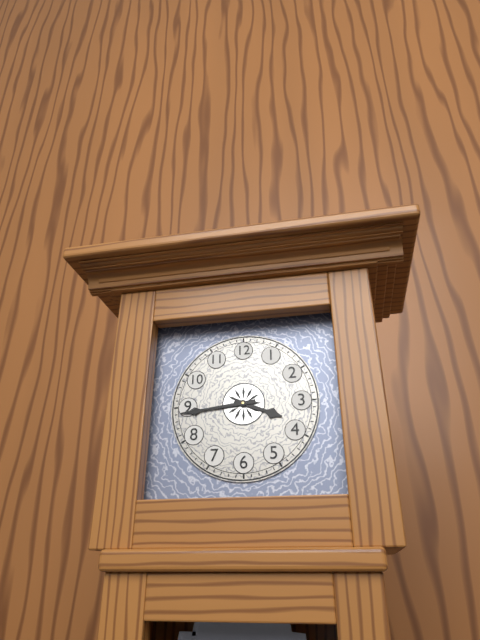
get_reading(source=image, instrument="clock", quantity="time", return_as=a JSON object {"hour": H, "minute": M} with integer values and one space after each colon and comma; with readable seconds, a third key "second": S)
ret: {"hour": 3, "minute": 44}
